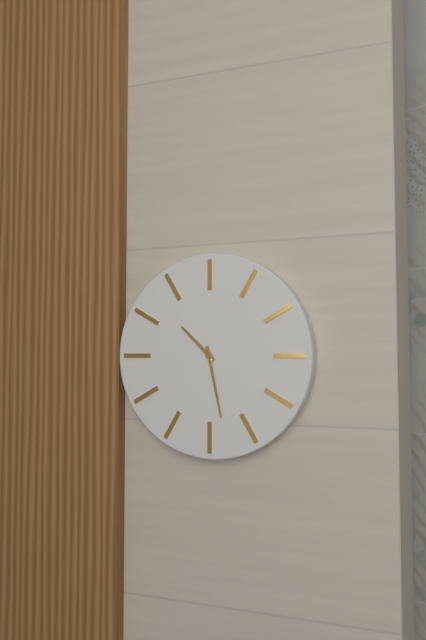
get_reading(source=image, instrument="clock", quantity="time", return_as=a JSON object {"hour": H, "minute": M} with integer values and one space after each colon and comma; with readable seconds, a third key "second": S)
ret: {"hour": 10, "minute": 28}
